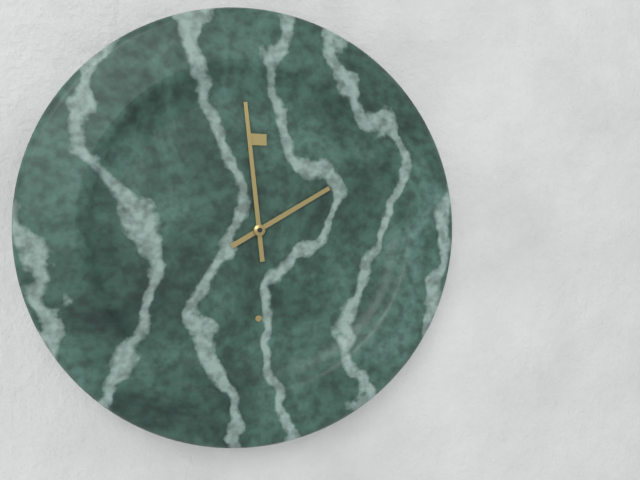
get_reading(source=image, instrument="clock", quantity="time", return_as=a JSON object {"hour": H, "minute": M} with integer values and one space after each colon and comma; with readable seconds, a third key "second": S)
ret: {"hour": 1, "minute": 59}
